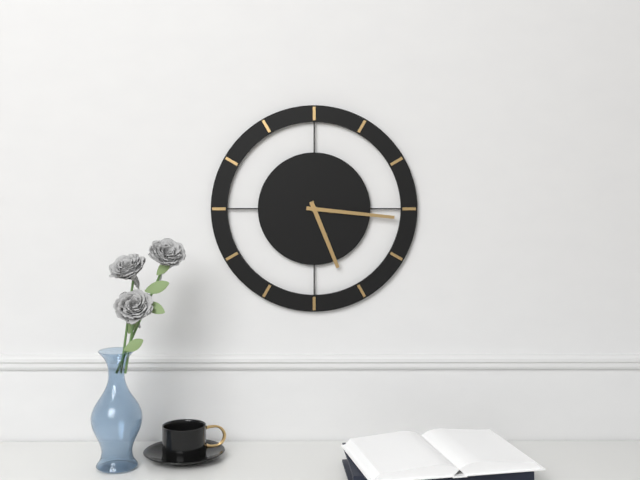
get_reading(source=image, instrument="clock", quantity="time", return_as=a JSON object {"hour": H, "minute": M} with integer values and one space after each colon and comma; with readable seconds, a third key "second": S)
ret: {"hour": 5, "minute": 16}
